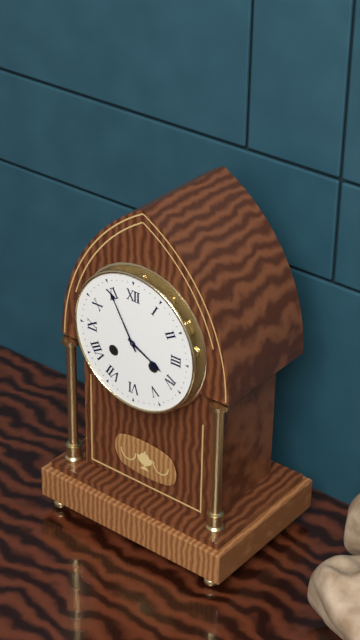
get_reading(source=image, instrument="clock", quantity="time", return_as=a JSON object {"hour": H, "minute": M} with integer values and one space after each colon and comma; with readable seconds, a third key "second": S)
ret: {"hour": 3, "minute": 55}
